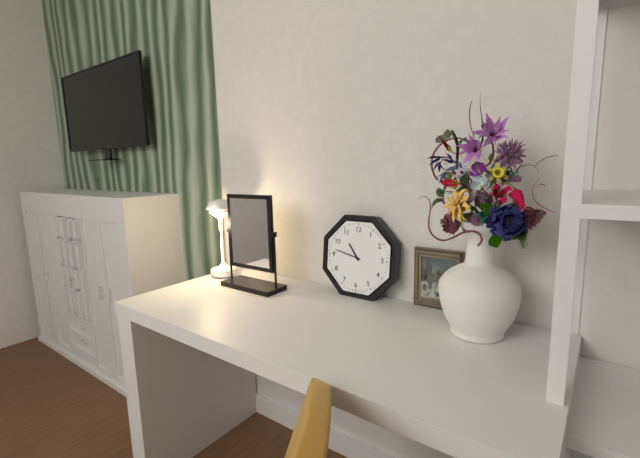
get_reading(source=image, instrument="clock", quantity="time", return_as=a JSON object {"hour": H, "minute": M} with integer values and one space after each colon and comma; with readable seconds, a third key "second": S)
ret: {"hour": 10, "minute": 47}
